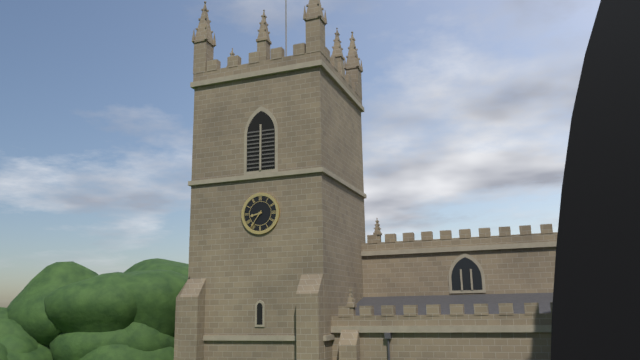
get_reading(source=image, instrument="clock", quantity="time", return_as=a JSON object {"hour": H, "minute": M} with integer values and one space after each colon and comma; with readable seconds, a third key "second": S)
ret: {"hour": 8, "minute": 36}
